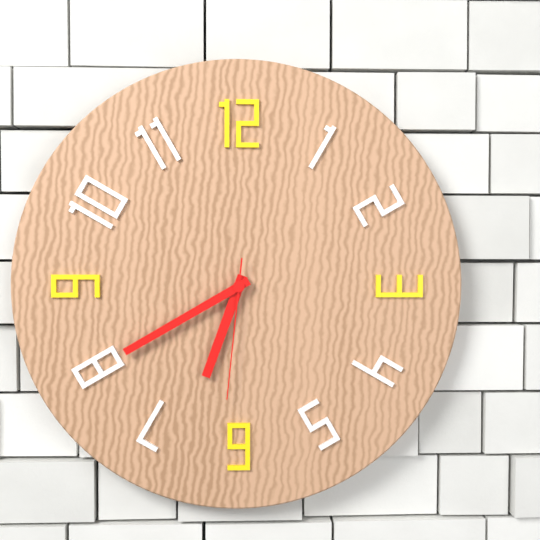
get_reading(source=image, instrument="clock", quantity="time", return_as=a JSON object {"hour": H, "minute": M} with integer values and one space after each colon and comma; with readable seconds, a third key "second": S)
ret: {"hour": 6, "minute": 40, "second": 31}
